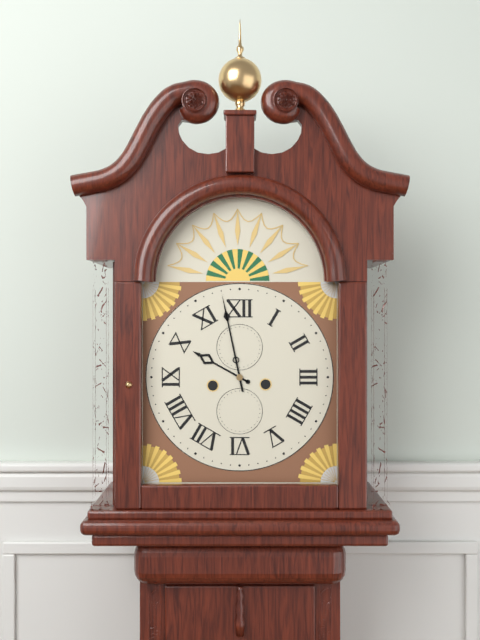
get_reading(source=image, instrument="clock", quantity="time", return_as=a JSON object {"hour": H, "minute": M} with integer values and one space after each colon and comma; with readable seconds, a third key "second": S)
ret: {"hour": 9, "minute": 58}
